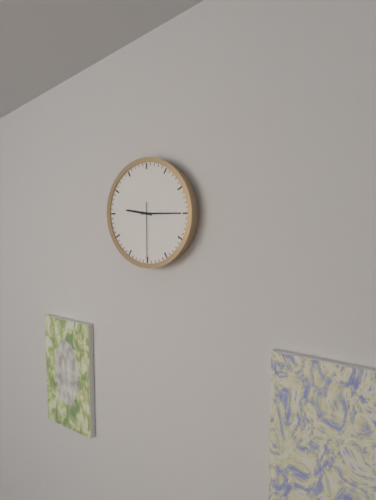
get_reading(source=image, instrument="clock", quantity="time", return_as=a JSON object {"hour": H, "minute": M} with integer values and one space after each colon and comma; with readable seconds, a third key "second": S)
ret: {"hour": 9, "minute": 15, "second": 30}
